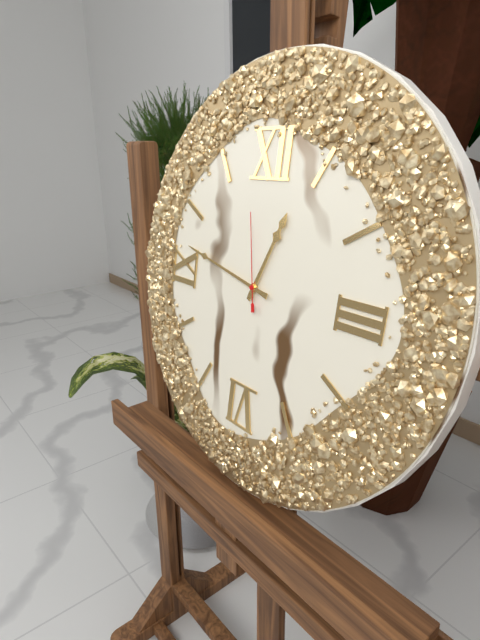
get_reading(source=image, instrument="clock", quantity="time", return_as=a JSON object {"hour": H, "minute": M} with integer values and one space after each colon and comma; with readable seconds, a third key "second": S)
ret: {"hour": 12, "minute": 47, "second": 58}
